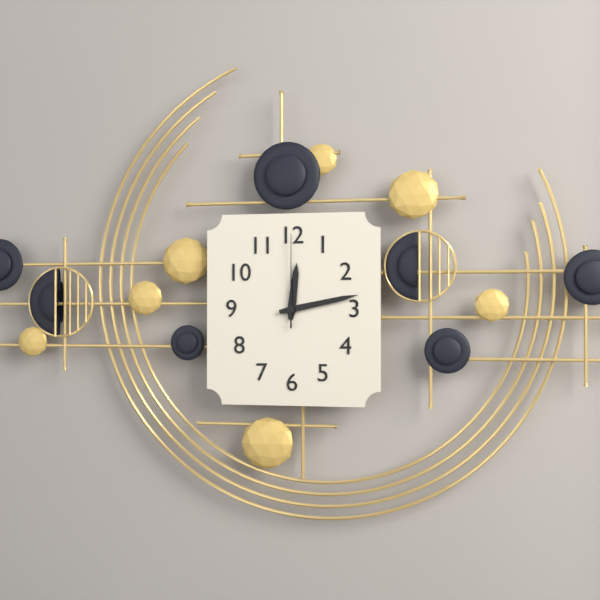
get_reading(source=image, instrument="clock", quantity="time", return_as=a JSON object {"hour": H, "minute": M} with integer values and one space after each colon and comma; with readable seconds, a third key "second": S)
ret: {"hour": 12, "minute": 13, "second": 0}
